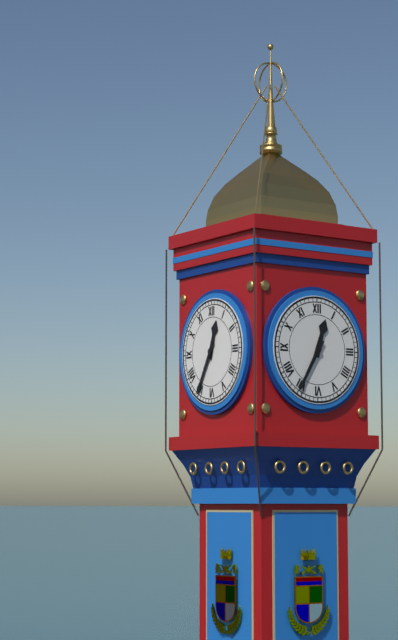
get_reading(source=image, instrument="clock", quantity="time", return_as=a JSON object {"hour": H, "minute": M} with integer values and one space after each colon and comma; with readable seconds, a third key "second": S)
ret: {"hour": 12, "minute": 35}
